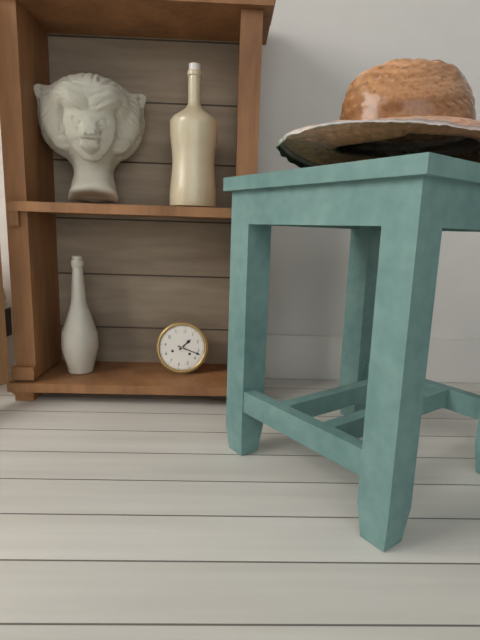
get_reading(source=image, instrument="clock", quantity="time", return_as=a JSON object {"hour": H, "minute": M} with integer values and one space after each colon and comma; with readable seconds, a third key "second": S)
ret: {"hour": 1, "minute": 17}
